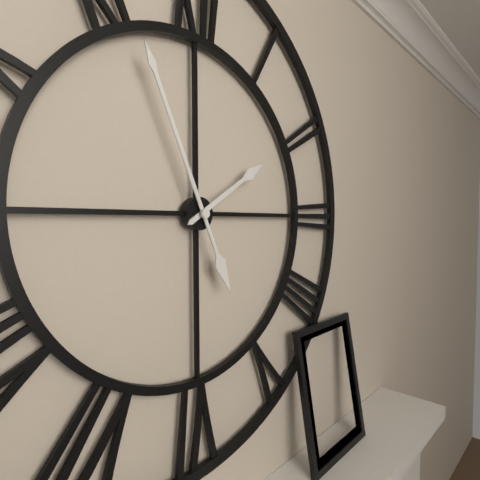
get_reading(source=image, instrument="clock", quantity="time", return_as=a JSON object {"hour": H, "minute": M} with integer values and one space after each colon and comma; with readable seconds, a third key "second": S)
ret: {"hour": 1, "minute": 56}
